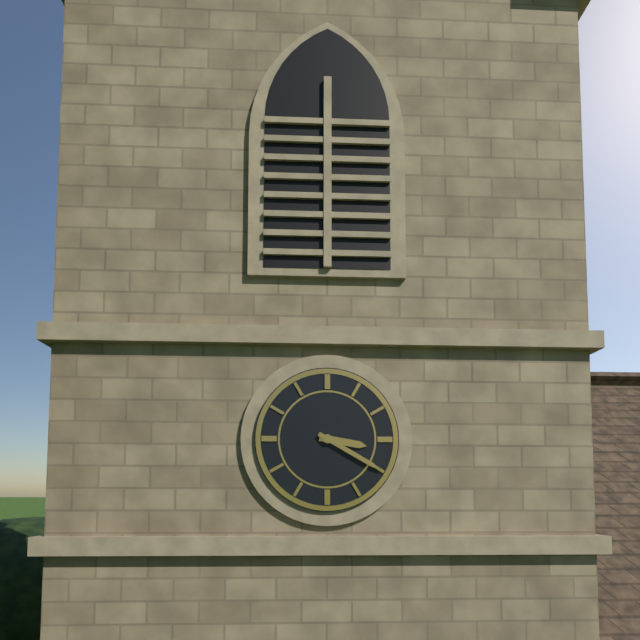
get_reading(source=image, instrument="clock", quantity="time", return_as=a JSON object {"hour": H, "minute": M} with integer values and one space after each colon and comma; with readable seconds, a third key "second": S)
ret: {"hour": 3, "minute": 20}
